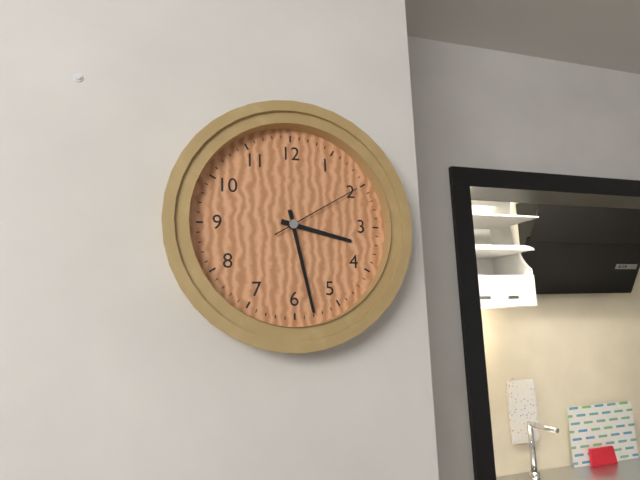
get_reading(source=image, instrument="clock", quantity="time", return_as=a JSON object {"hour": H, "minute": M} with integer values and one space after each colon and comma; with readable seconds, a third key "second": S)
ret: {"hour": 3, "minute": 28, "second": 10}
